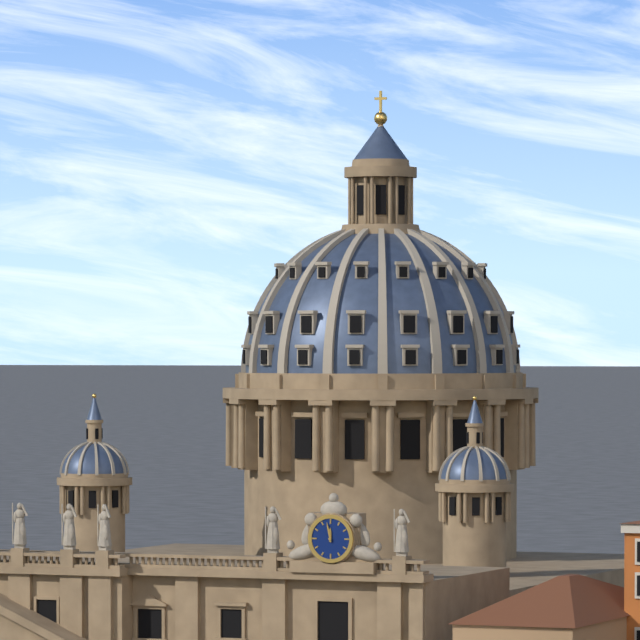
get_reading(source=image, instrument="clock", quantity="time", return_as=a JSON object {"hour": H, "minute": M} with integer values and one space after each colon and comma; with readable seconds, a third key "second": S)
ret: {"hour": 11, "minute": 58}
